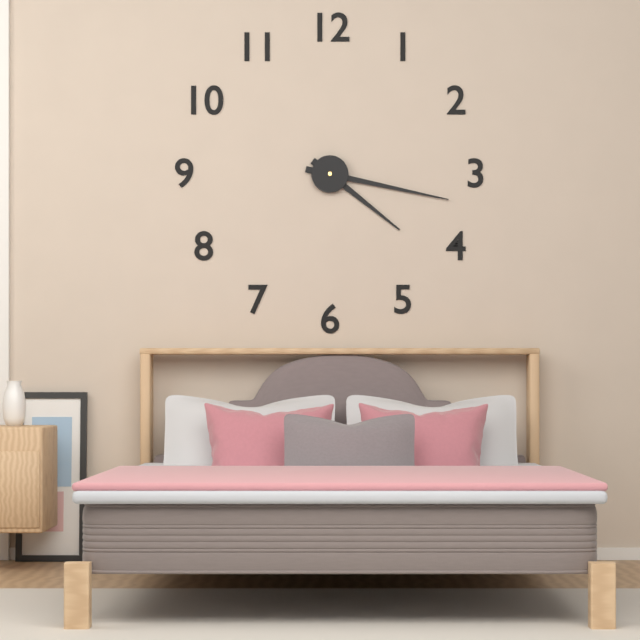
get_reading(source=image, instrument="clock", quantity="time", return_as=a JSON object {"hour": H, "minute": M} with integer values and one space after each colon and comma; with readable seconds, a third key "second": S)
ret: {"hour": 4, "minute": 17}
